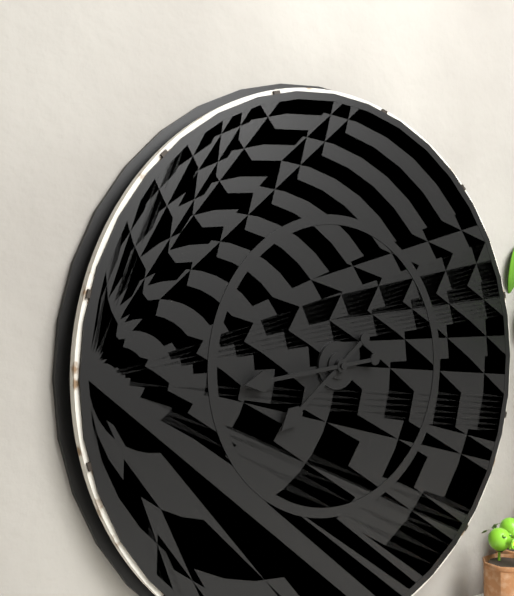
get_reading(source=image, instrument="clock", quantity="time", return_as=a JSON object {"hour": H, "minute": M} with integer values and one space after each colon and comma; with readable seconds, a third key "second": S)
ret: {"hour": 7, "minute": 44}
